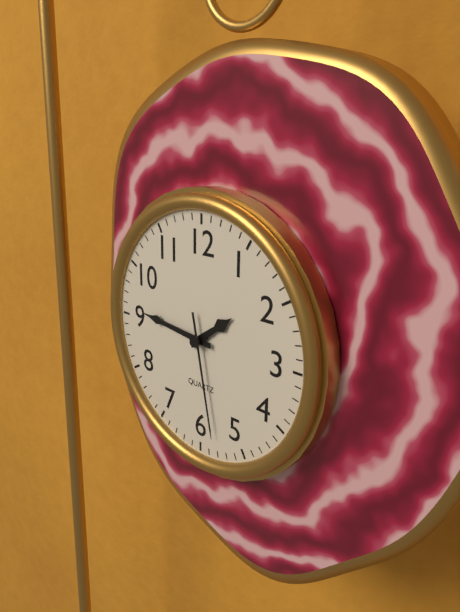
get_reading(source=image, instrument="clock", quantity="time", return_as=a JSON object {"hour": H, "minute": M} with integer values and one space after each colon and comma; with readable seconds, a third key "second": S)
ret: {"hour": 1, "minute": 46, "second": 28}
